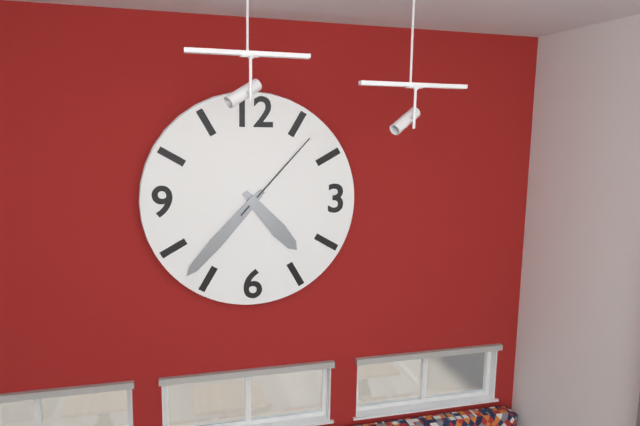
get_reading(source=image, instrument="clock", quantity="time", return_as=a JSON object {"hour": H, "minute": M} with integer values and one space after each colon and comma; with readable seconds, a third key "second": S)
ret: {"hour": 4, "minute": 37, "second": 7}
